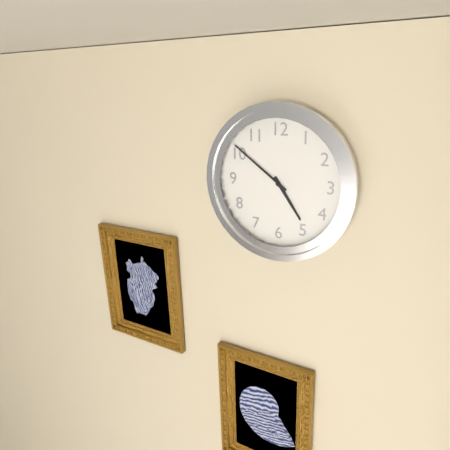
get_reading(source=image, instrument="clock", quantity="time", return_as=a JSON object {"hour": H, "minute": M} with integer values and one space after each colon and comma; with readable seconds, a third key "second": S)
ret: {"hour": 4, "minute": 51}
